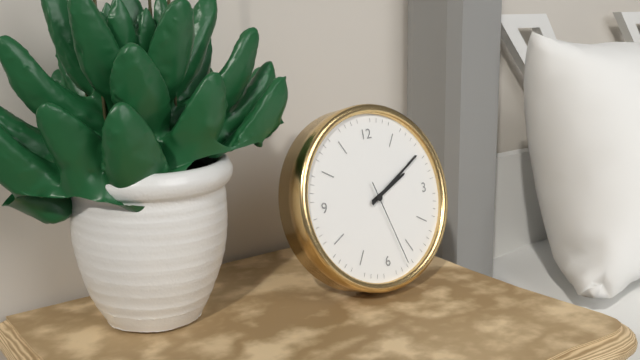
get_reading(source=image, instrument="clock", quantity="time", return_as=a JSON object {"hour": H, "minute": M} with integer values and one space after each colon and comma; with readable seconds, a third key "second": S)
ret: {"hour": 2, "minute": 10, "second": 27}
